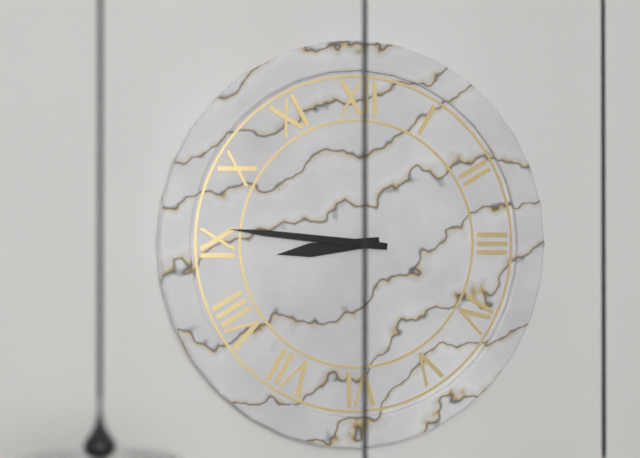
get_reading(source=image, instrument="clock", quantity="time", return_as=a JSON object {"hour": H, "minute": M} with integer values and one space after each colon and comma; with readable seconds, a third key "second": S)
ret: {"hour": 8, "minute": 46}
